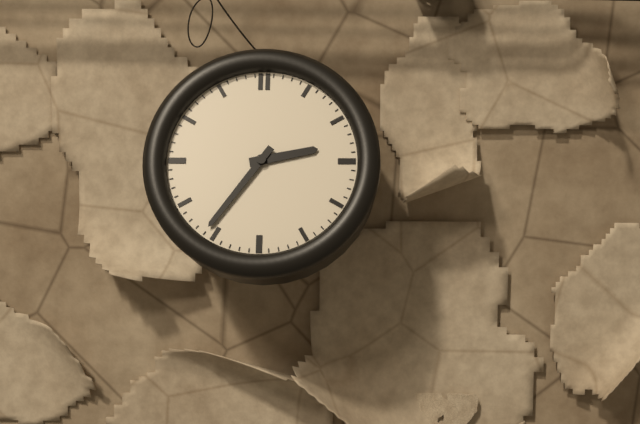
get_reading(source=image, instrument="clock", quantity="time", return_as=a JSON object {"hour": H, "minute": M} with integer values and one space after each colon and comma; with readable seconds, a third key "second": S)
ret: {"hour": 2, "minute": 36}
